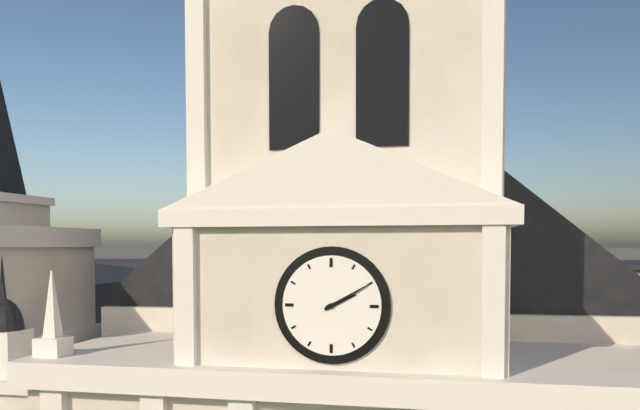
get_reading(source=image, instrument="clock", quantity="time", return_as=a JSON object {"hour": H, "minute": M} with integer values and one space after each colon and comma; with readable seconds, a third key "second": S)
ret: {"hour": 2, "minute": 10}
